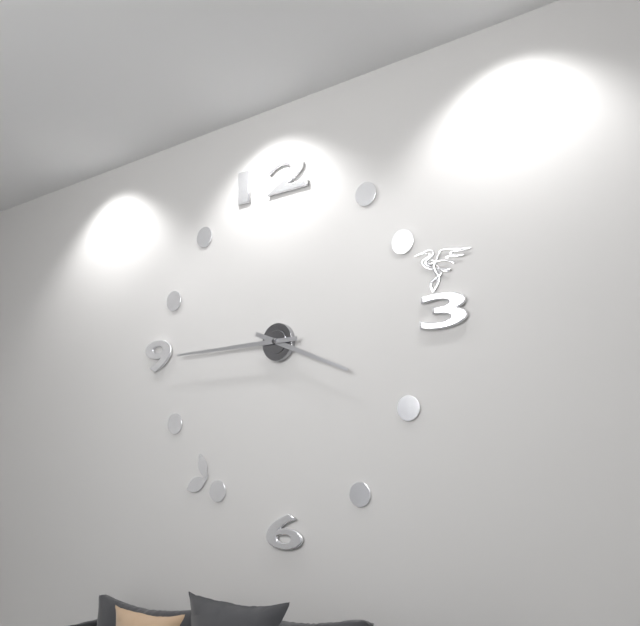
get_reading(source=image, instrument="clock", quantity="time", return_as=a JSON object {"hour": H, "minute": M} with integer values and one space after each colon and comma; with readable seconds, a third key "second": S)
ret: {"hour": 3, "minute": 45}
